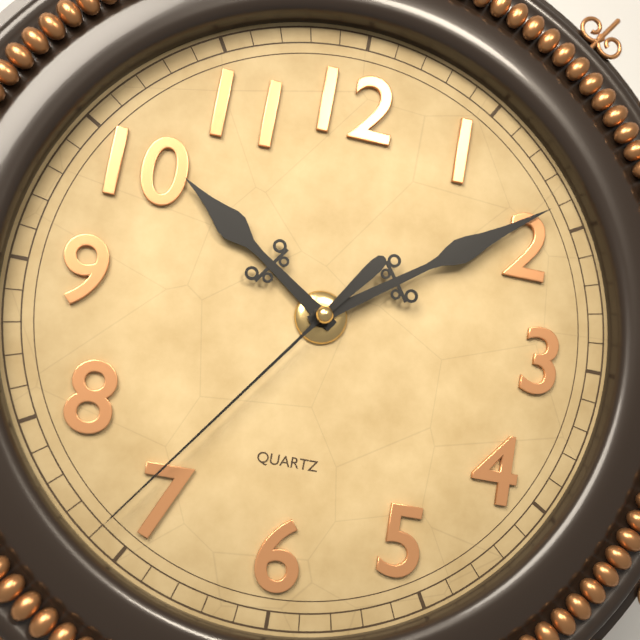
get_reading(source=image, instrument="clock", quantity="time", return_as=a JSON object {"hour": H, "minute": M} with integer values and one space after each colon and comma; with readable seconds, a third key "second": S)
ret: {"hour": 10, "minute": 9, "second": 36}
